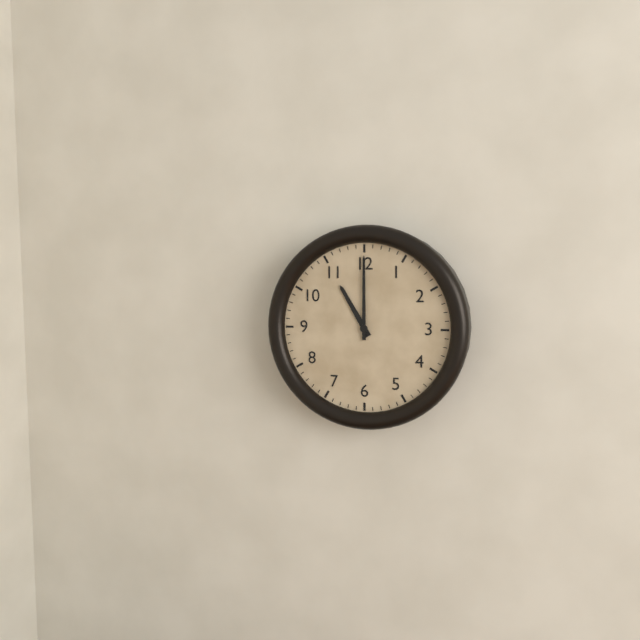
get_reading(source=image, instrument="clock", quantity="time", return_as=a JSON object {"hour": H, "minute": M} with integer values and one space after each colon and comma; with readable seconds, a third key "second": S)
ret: {"hour": 11, "minute": 0}
